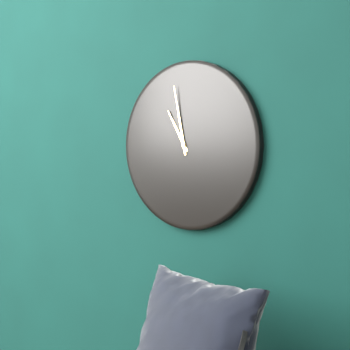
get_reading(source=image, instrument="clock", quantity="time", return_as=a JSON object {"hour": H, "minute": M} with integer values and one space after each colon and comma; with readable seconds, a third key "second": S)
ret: {"hour": 10, "minute": 58}
